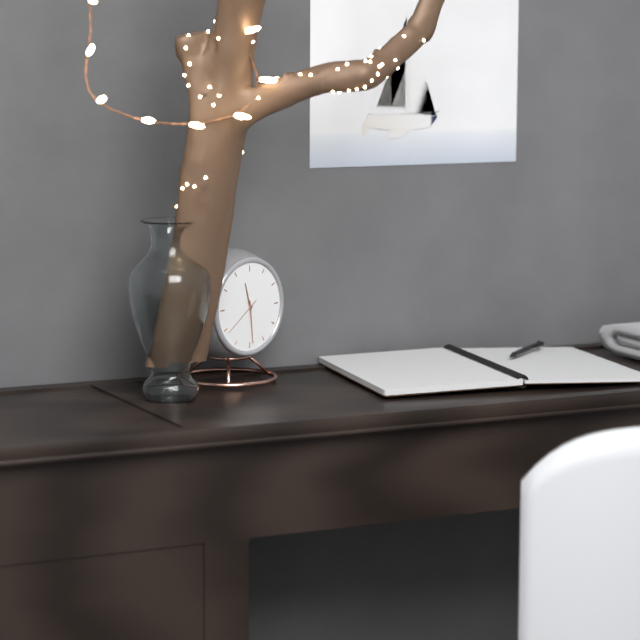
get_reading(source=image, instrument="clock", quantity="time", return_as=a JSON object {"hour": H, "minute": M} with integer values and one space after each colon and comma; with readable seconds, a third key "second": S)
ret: {"hour": 11, "minute": 29}
